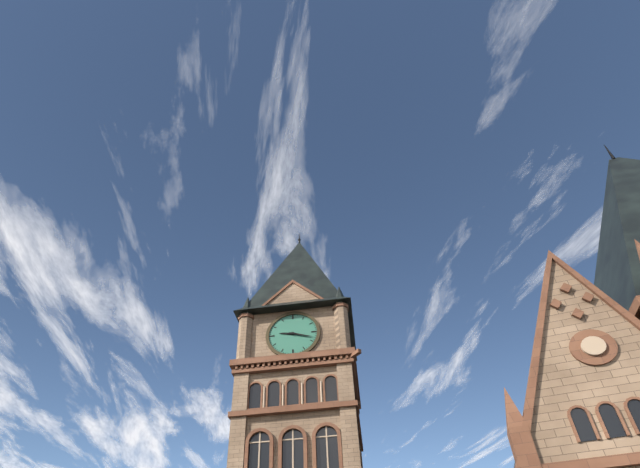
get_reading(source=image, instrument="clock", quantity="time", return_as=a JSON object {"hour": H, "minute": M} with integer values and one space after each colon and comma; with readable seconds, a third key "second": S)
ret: {"hour": 9, "minute": 18}
